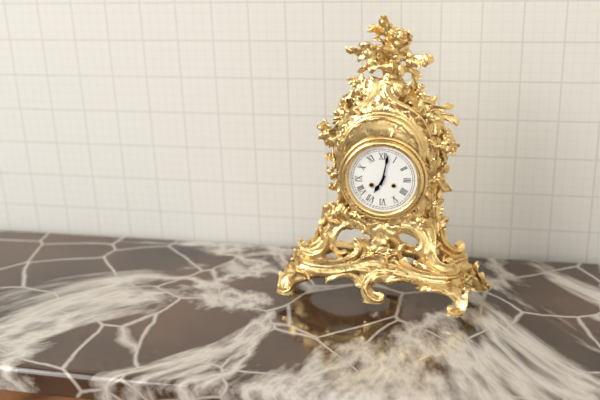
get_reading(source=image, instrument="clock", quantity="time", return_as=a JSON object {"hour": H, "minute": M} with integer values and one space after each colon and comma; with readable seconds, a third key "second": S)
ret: {"hour": 7, "minute": 2}
